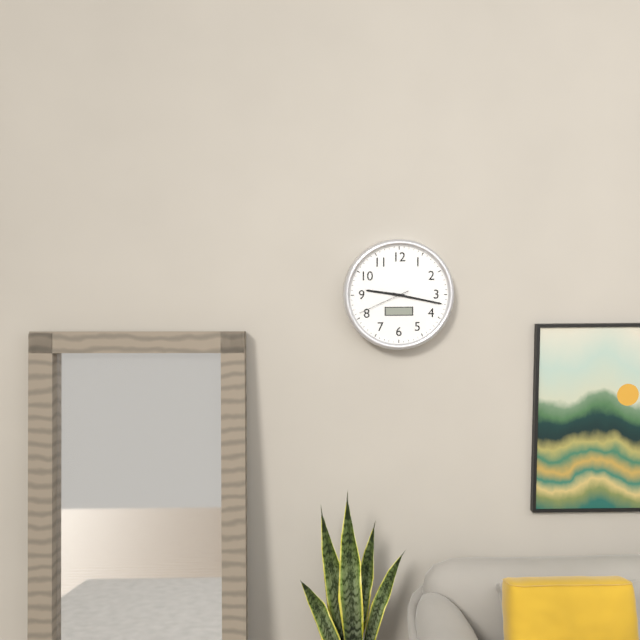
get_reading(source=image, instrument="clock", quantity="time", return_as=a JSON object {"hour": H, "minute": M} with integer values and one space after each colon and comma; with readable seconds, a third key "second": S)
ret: {"hour": 9, "minute": 17, "second": 41}
